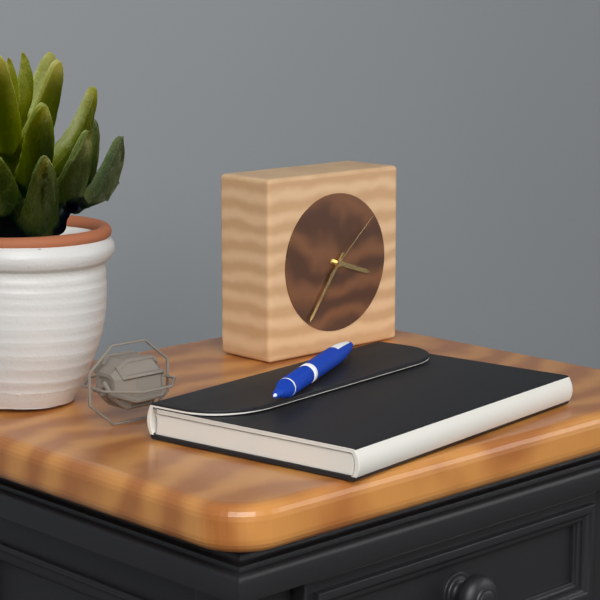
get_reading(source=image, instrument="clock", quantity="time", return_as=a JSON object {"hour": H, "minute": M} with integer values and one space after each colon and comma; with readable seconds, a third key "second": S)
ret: {"hour": 3, "minute": 36, "second": 8}
